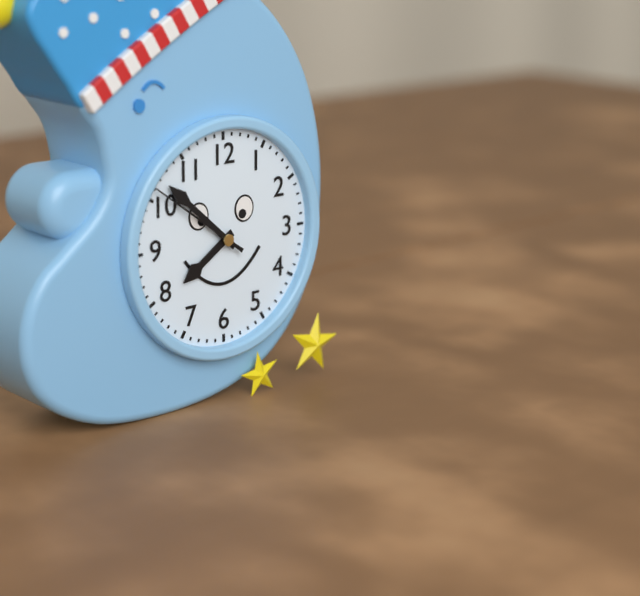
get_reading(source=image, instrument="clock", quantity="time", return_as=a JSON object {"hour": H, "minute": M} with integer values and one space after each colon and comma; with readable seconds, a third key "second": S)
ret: {"hour": 7, "minute": 52, "second": 51}
